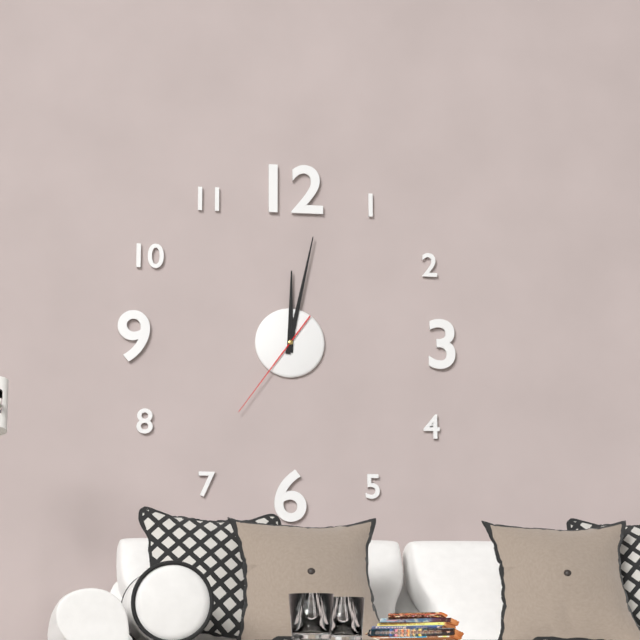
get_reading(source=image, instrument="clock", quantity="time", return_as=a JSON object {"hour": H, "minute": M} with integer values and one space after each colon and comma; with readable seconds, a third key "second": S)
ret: {"hour": 12, "minute": 2, "second": 36}
